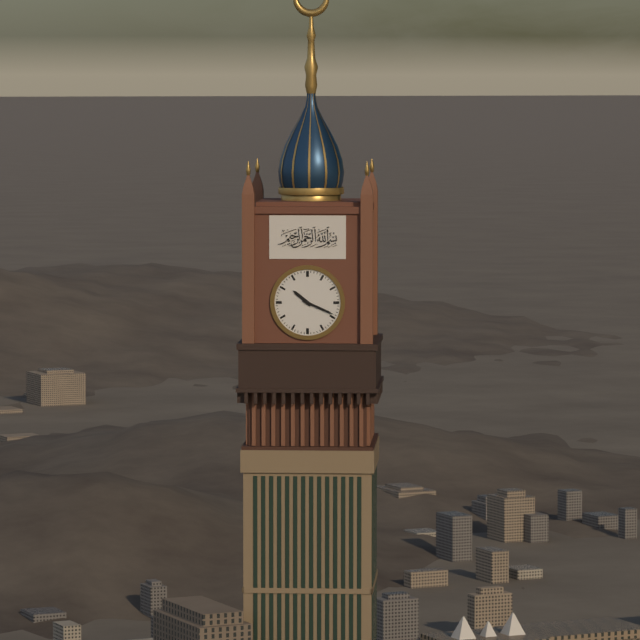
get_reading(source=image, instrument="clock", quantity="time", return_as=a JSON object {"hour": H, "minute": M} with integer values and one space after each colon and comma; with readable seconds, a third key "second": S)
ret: {"hour": 10, "minute": 19}
